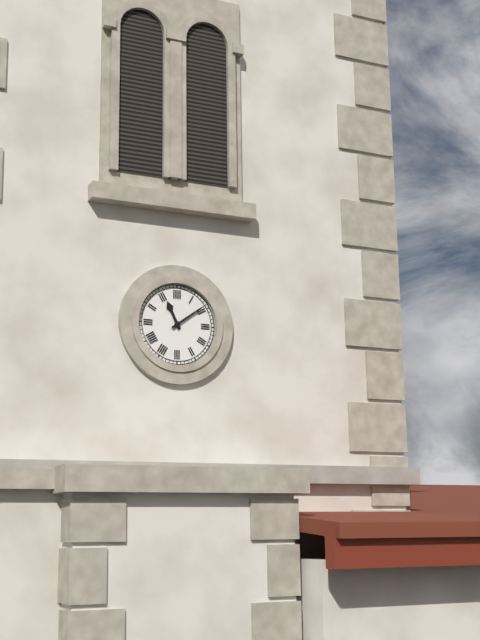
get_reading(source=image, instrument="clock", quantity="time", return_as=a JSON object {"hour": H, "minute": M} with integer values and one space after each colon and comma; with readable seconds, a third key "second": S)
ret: {"hour": 11, "minute": 9}
